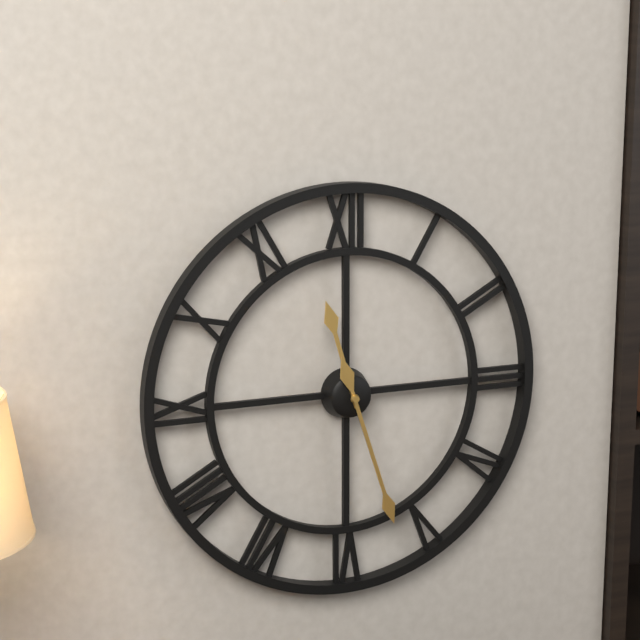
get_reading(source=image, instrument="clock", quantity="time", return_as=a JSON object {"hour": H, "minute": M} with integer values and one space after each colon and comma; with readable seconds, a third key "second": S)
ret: {"hour": 11, "minute": 27}
